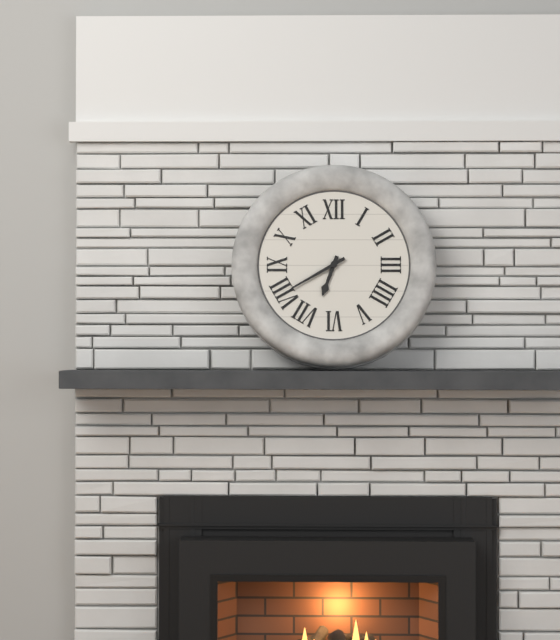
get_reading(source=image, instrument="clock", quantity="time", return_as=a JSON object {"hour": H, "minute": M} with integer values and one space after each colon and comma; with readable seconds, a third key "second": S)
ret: {"hour": 6, "minute": 40}
